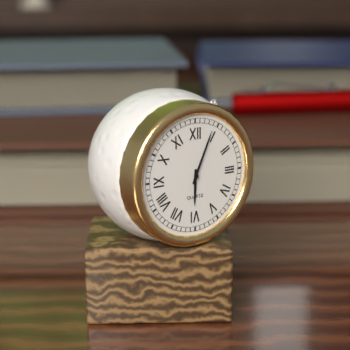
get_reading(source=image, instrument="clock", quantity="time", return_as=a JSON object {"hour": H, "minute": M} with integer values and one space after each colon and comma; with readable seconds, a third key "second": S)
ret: {"hour": 6, "minute": 4}
